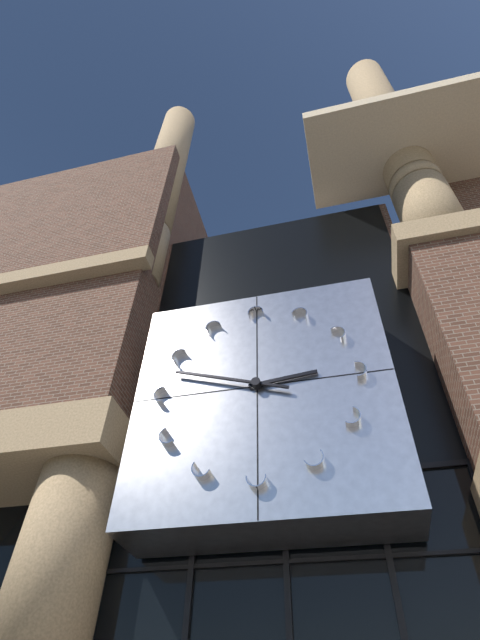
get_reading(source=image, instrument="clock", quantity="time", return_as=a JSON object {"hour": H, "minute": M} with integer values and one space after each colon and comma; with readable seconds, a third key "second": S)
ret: {"hour": 2, "minute": 48}
